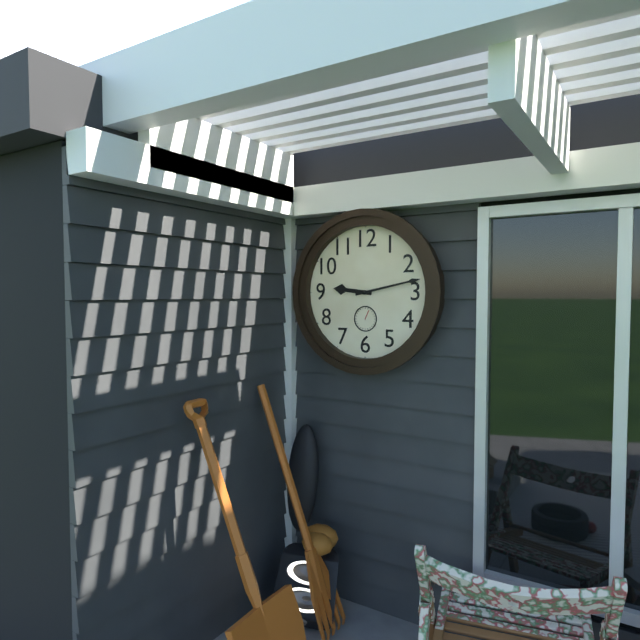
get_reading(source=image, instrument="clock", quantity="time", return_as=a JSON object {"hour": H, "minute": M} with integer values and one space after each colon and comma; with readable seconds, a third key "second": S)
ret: {"hour": 9, "minute": 13}
